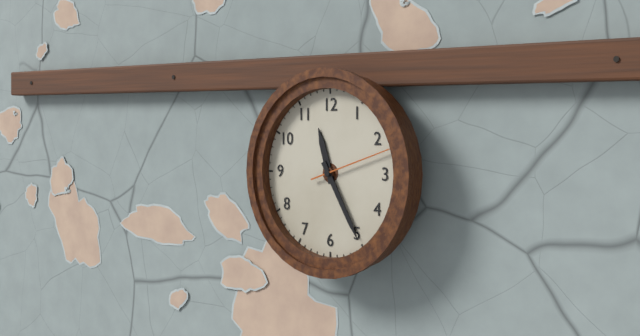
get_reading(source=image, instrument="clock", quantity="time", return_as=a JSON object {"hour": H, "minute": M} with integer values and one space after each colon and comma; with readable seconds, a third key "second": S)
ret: {"hour": 11, "minute": 25, "second": 12}
